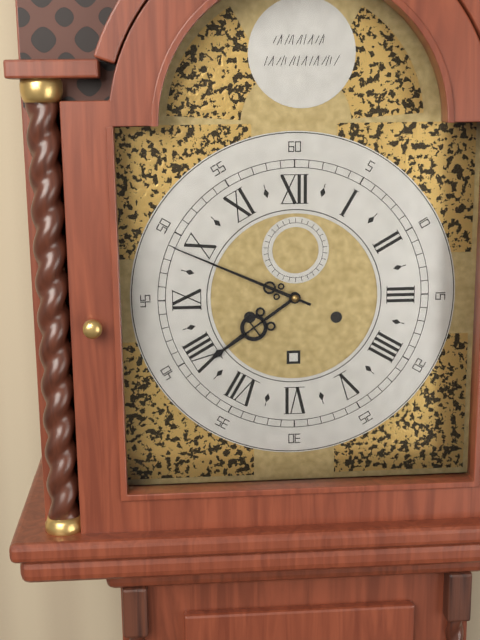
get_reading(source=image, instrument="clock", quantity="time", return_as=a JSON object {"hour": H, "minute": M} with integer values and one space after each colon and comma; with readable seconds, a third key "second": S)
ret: {"hour": 7, "minute": 49}
